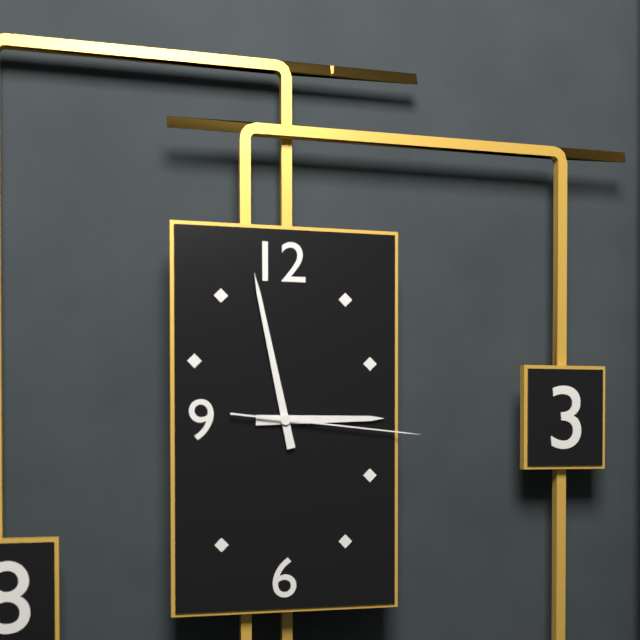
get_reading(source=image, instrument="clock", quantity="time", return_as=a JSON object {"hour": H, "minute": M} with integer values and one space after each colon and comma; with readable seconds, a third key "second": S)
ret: {"hour": 2, "minute": 58, "second": 16}
